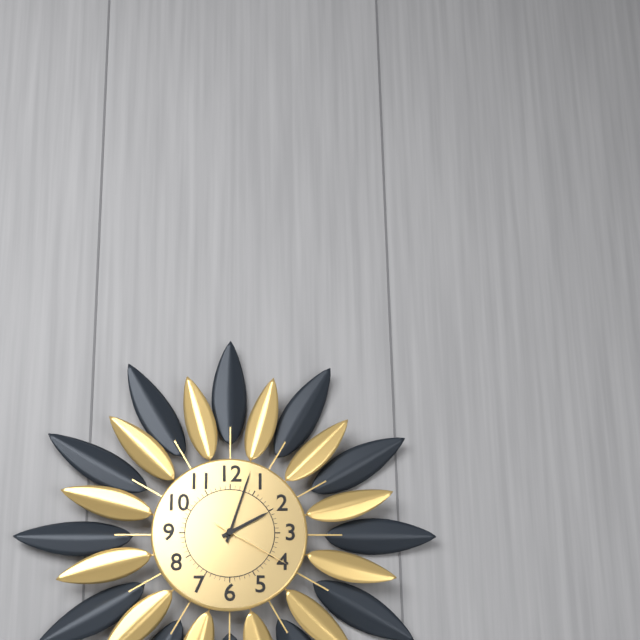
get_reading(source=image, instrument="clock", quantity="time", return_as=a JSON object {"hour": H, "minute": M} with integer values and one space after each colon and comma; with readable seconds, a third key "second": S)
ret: {"hour": 2, "minute": 3, "second": 20}
